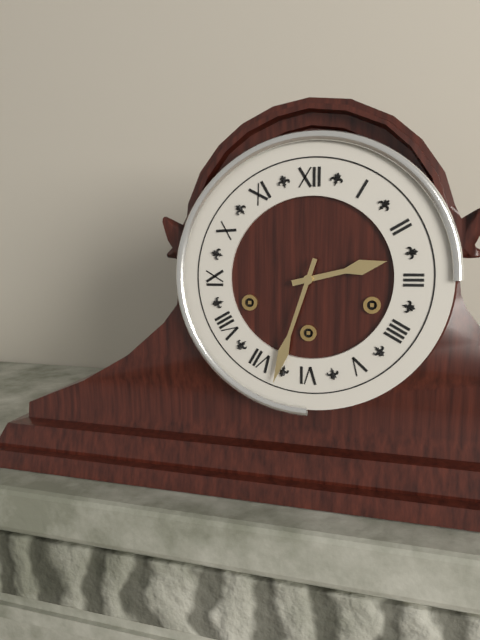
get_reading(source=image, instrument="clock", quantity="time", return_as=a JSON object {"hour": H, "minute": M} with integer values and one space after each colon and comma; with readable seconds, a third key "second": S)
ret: {"hour": 2, "minute": 33}
